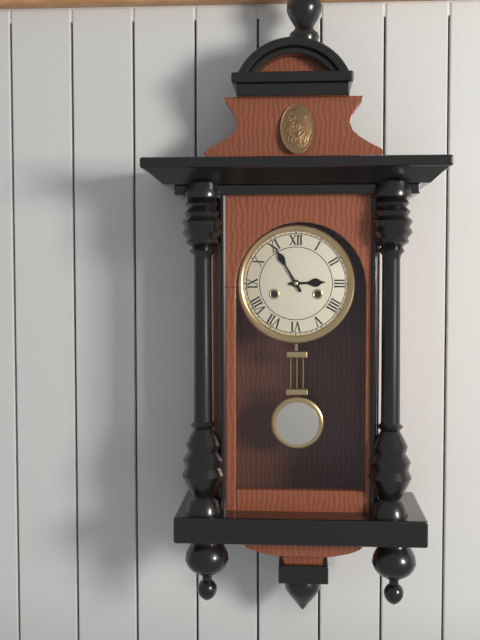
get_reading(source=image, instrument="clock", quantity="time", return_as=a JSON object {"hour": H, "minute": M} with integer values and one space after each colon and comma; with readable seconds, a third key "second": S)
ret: {"hour": 2, "minute": 55}
